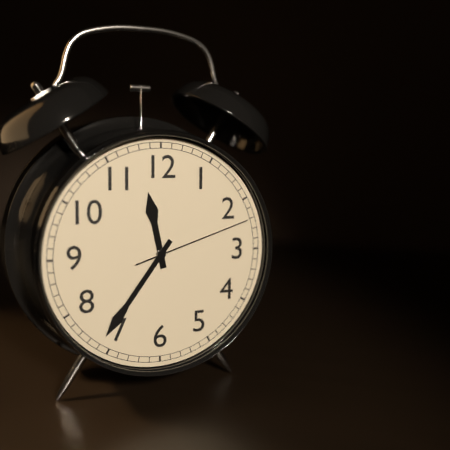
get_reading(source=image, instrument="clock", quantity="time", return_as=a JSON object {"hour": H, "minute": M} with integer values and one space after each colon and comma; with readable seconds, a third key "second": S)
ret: {"hour": 11, "minute": 36, "second": 12}
